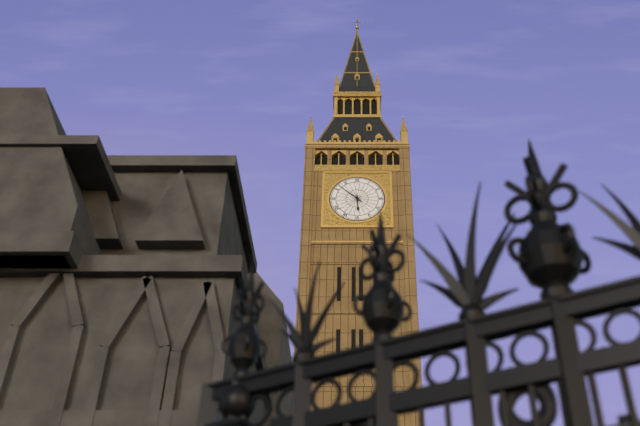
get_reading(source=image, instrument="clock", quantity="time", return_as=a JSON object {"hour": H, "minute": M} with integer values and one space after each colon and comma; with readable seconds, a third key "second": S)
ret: {"hour": 5, "minute": 52}
